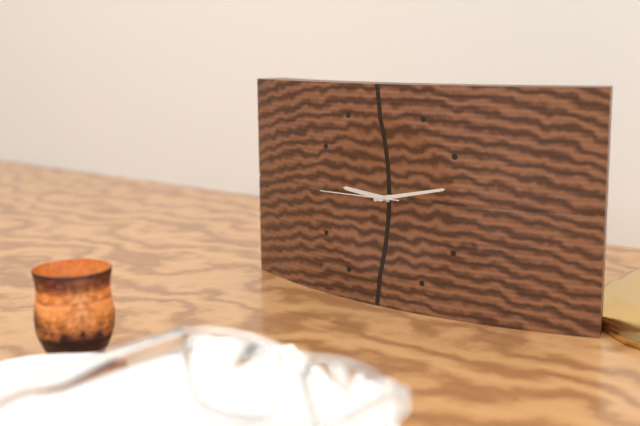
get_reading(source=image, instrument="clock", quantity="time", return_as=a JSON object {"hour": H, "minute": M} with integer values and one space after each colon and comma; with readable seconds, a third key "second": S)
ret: {"hour": 9, "minute": 13, "second": 45}
